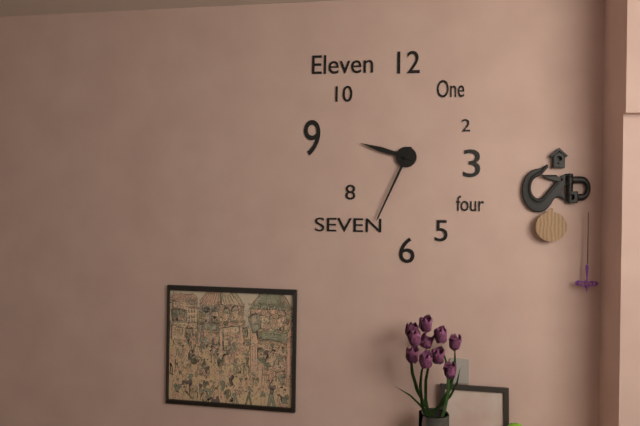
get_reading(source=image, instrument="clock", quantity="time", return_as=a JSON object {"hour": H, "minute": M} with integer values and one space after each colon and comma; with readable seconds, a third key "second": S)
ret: {"hour": 9, "minute": 34}
